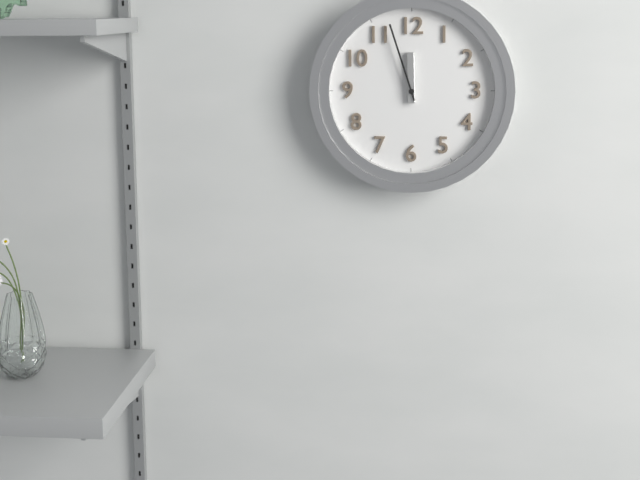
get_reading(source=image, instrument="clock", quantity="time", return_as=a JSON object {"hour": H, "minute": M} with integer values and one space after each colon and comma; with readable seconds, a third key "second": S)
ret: {"hour": 11, "minute": 57}
